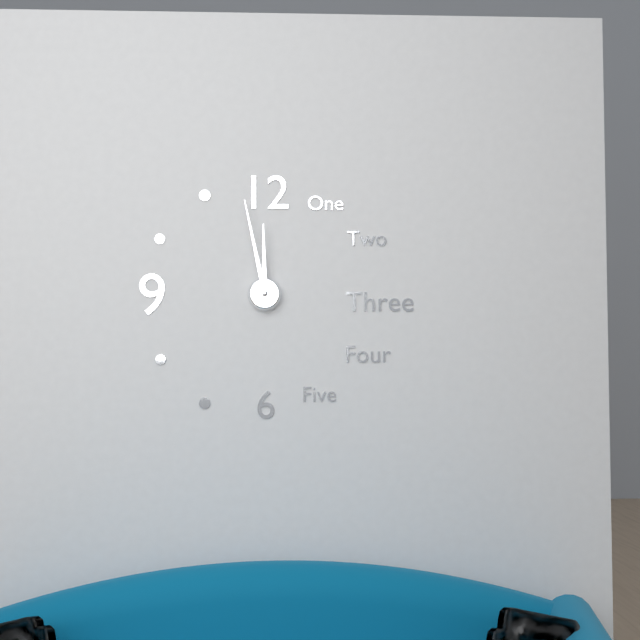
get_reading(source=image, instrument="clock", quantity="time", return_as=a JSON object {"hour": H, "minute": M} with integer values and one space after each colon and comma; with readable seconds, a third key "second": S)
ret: {"hour": 11, "minute": 58}
